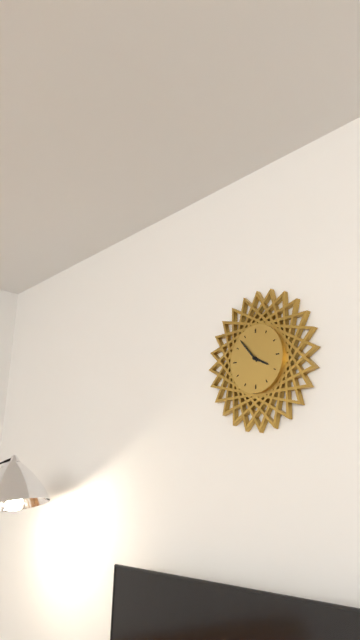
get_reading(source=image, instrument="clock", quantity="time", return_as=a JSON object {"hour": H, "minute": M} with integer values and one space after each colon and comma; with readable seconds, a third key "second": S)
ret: {"hour": 3, "minute": 53}
